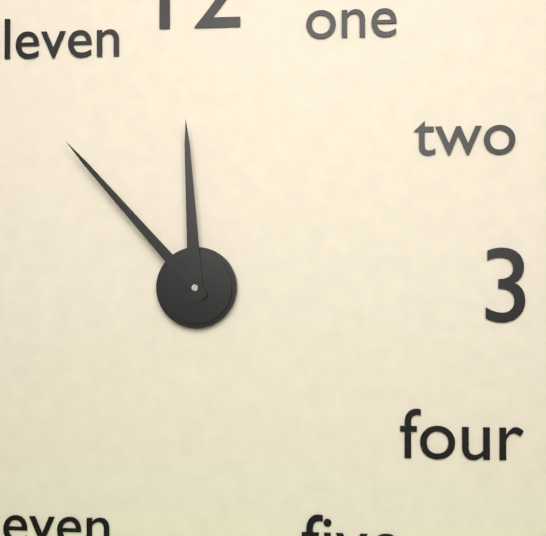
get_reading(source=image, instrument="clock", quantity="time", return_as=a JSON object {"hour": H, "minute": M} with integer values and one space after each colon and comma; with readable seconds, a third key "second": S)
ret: {"hour": 11, "minute": 53}
